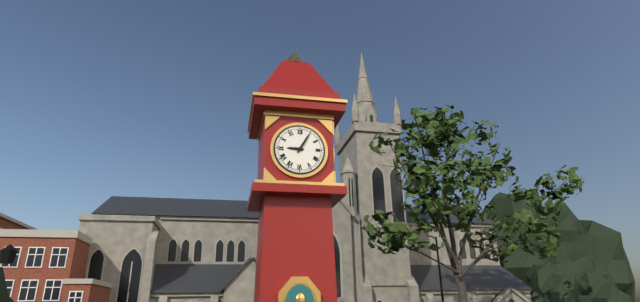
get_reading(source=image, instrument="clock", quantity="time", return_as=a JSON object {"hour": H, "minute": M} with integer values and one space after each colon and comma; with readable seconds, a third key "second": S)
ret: {"hour": 9, "minute": 5}
